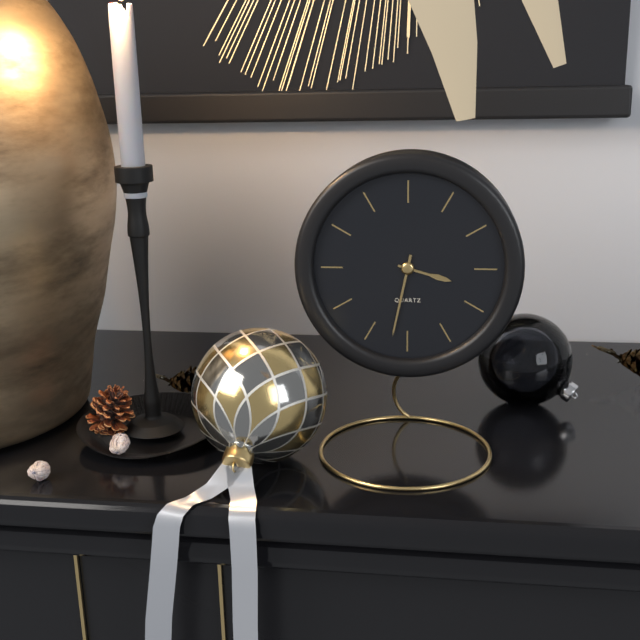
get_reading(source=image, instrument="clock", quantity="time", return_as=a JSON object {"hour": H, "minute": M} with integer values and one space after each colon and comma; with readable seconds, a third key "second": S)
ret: {"hour": 3, "minute": 32}
